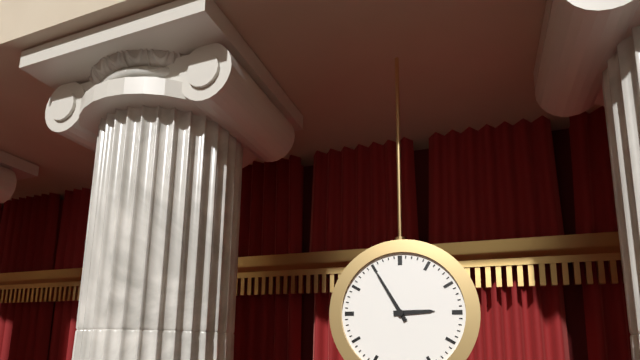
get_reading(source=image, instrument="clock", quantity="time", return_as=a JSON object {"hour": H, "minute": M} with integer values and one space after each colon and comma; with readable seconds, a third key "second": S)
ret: {"hour": 2, "minute": 55}
